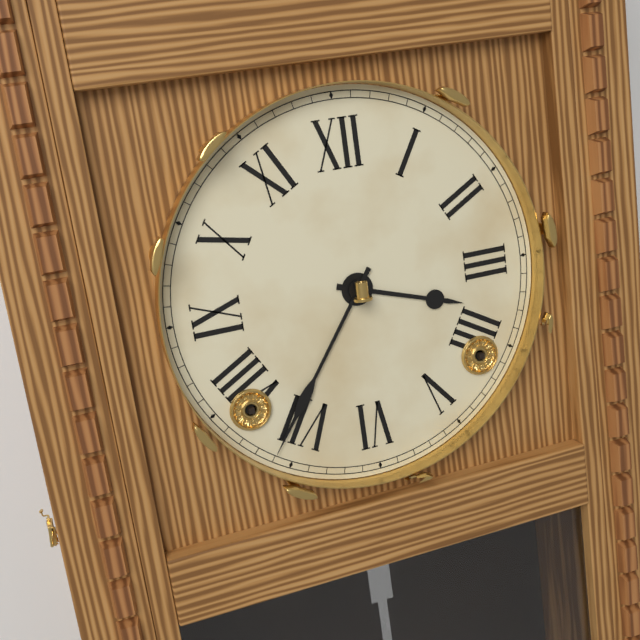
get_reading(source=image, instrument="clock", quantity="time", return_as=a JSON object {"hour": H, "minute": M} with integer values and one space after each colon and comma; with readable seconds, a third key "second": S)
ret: {"hour": 3, "minute": 36}
